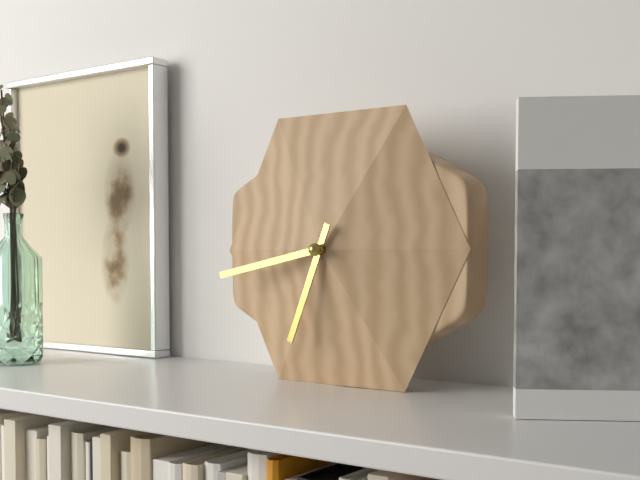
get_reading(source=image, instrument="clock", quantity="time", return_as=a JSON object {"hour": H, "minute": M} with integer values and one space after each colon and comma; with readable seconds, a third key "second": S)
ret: {"hour": 6, "minute": 43}
